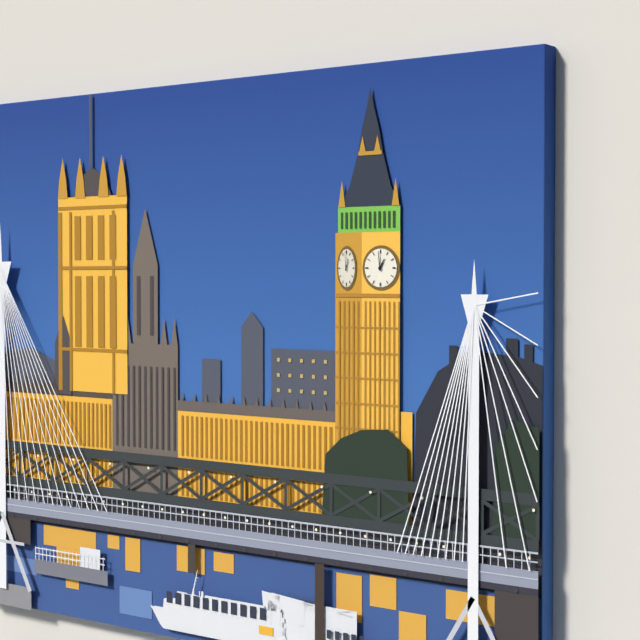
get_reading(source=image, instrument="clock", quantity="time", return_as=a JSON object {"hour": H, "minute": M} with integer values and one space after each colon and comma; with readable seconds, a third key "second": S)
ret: {"hour": 12, "minute": 59}
